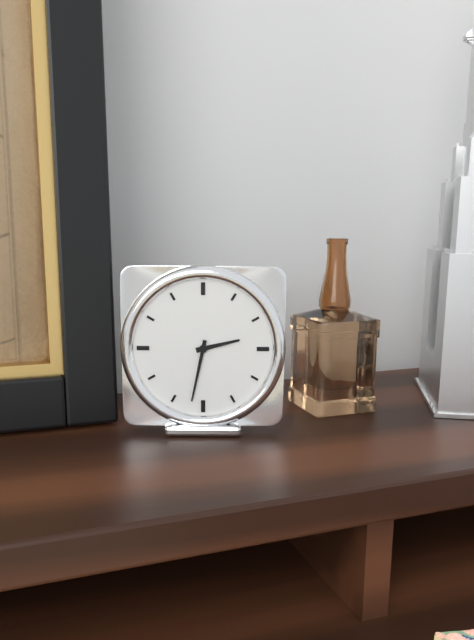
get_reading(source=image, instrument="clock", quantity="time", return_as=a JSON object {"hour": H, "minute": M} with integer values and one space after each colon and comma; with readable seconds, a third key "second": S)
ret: {"hour": 2, "minute": 32}
